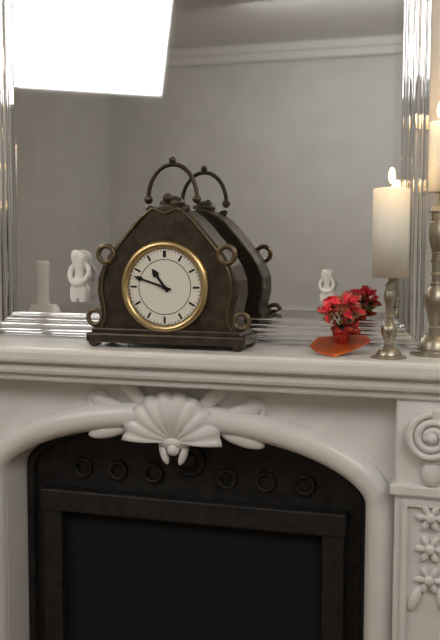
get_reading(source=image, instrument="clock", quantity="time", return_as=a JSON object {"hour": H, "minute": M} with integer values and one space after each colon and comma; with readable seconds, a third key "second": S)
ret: {"hour": 10, "minute": 48}
